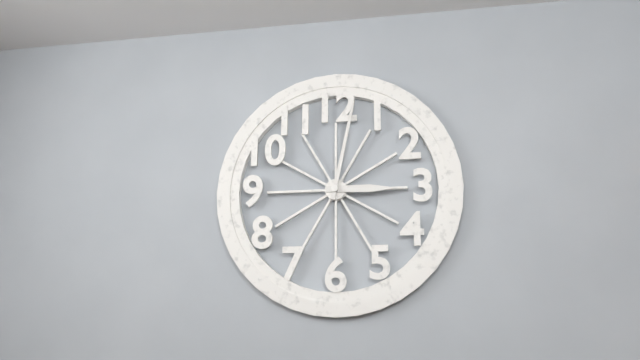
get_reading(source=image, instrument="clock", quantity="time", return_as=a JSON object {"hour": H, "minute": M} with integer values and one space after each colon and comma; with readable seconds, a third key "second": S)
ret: {"hour": 3, "minute": 2}
